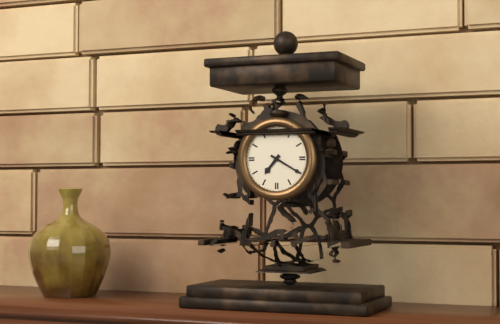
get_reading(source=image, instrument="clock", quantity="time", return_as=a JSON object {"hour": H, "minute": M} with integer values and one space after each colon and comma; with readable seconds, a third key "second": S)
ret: {"hour": 7, "minute": 20}
